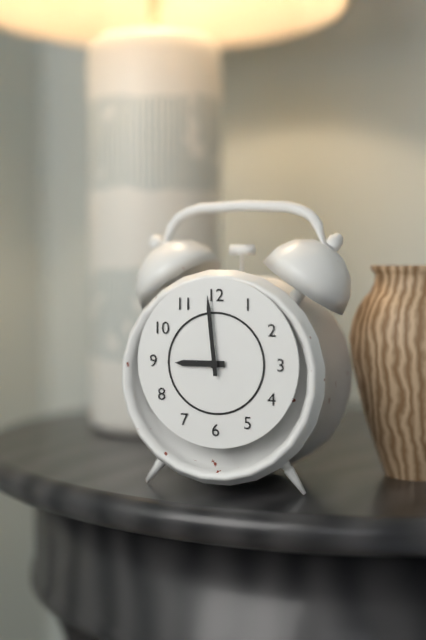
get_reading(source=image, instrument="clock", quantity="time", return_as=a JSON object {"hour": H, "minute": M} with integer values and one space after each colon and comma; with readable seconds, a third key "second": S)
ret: {"hour": 8, "minute": 59}
